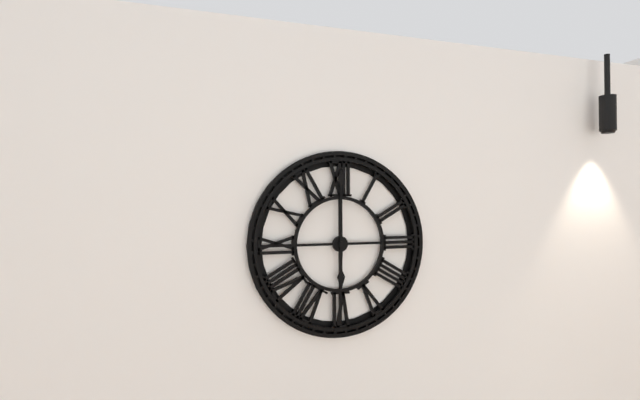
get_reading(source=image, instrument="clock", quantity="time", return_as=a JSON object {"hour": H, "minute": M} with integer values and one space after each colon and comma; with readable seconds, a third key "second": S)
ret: {"hour": 6, "minute": 0}
